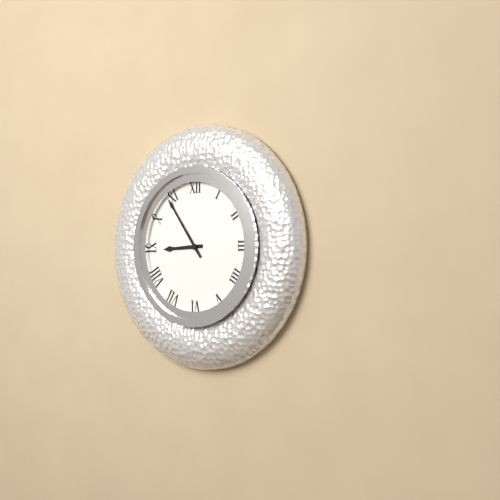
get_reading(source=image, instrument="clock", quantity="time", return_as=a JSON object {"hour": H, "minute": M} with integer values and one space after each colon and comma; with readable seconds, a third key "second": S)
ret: {"hour": 8, "minute": 54}
